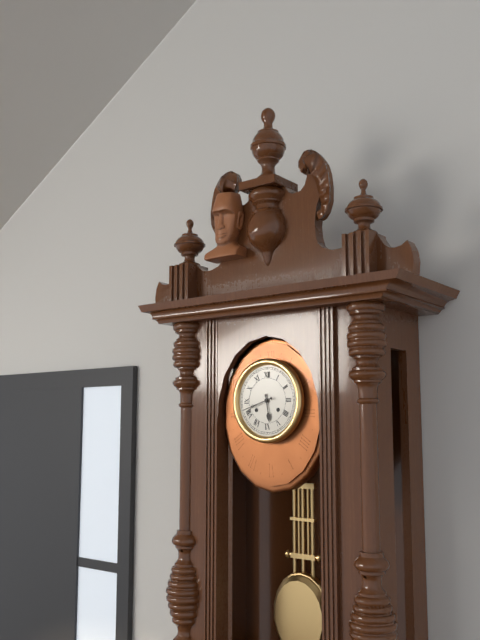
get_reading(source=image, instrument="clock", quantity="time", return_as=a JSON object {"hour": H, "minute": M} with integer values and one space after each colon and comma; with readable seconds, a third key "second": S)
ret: {"hour": 5, "minute": 42}
